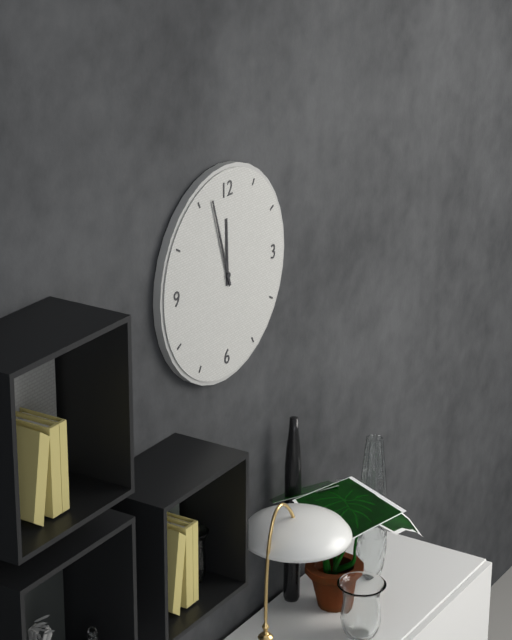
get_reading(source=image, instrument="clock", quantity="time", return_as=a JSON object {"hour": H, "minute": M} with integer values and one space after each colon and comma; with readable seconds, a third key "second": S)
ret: {"hour": 11, "minute": 57}
